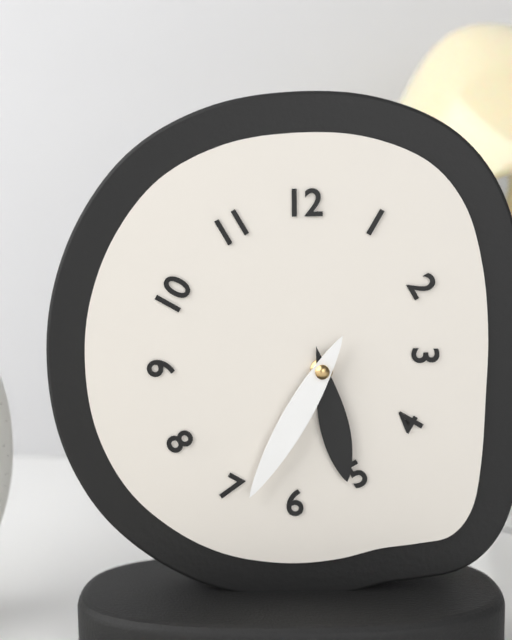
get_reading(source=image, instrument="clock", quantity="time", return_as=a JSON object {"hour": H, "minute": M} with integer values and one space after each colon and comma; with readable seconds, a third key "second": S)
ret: {"hour": 5, "minute": 35}
